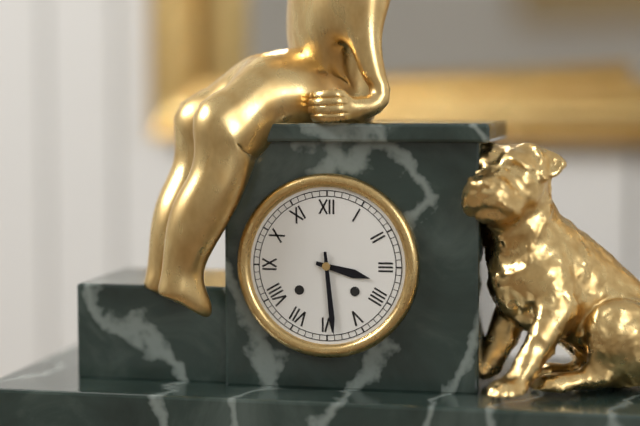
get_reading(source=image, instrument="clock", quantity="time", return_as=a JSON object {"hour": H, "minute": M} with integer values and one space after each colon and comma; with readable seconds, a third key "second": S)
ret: {"hour": 3, "minute": 29}
